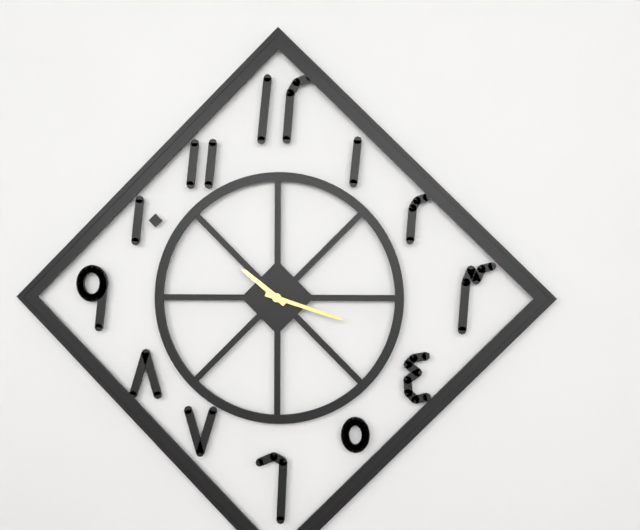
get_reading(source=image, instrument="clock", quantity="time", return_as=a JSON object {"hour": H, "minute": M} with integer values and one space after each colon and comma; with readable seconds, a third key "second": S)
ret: {"hour": 10, "minute": 18}
